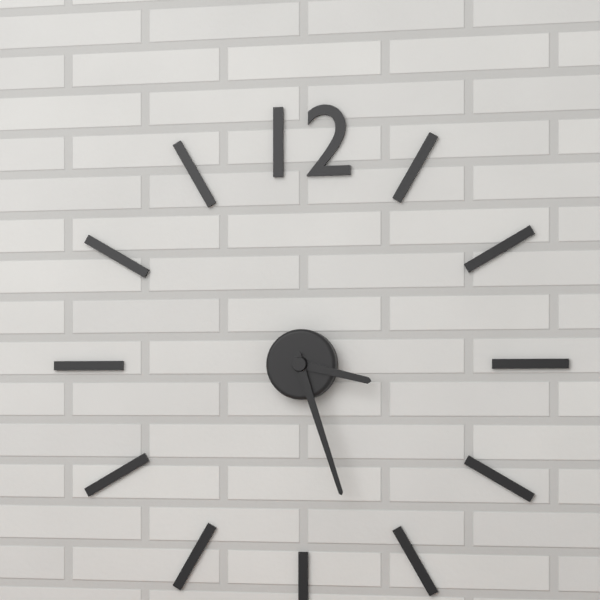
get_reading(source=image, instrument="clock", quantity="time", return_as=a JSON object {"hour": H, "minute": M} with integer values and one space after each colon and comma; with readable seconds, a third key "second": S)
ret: {"hour": 3, "minute": 27}
